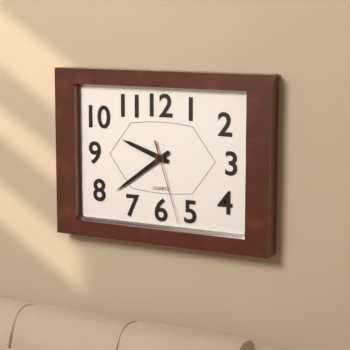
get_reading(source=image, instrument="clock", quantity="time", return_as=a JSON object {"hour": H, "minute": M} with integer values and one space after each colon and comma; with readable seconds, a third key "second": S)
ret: {"hour": 9, "minute": 39, "second": 27}
